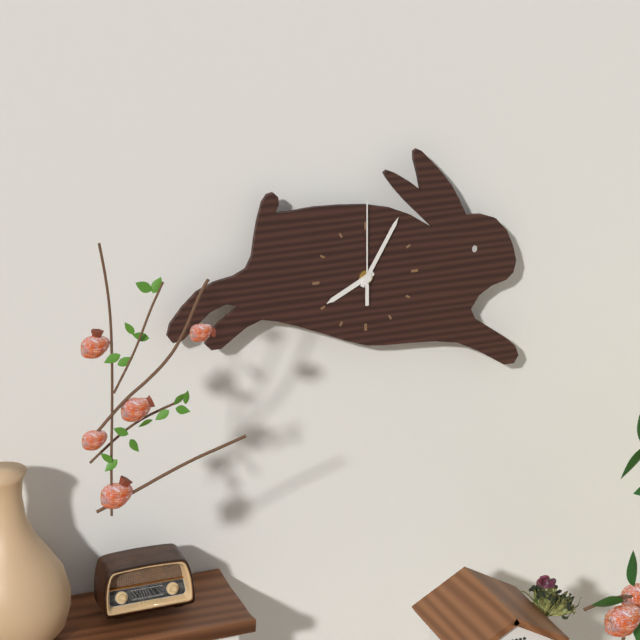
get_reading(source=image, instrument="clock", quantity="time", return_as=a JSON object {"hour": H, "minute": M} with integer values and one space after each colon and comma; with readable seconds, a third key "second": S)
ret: {"hour": 8, "minute": 5, "second": 0}
